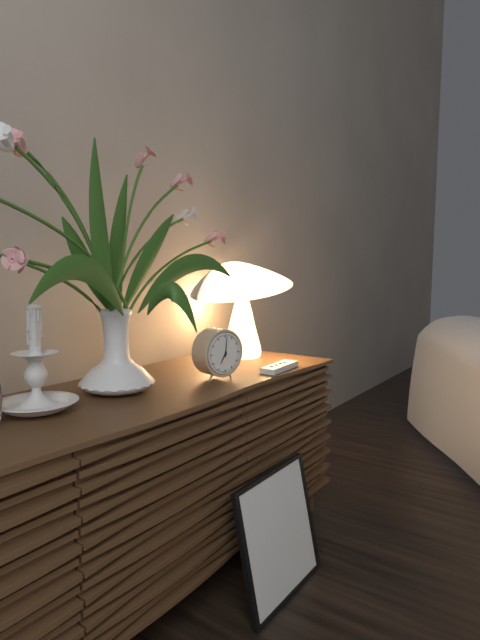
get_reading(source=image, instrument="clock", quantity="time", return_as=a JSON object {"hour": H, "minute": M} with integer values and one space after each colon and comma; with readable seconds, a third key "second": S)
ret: {"hour": 7, "minute": 1}
